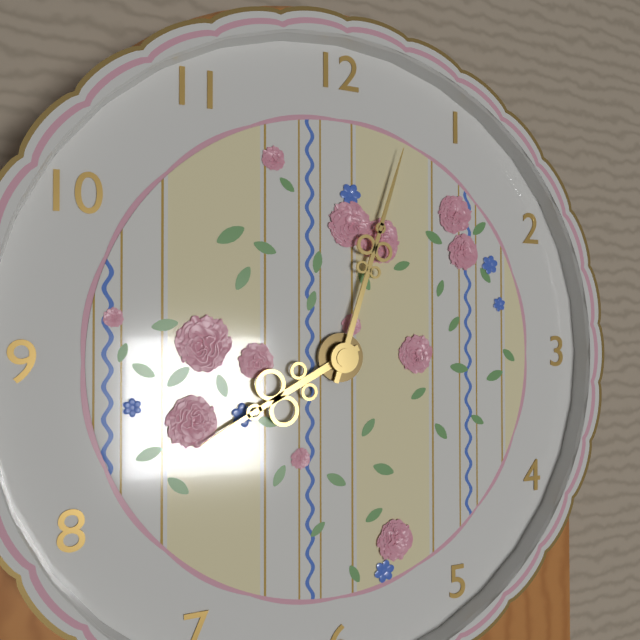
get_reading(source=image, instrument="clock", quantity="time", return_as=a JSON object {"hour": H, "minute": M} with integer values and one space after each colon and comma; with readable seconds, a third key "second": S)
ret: {"hour": 8, "minute": 3}
